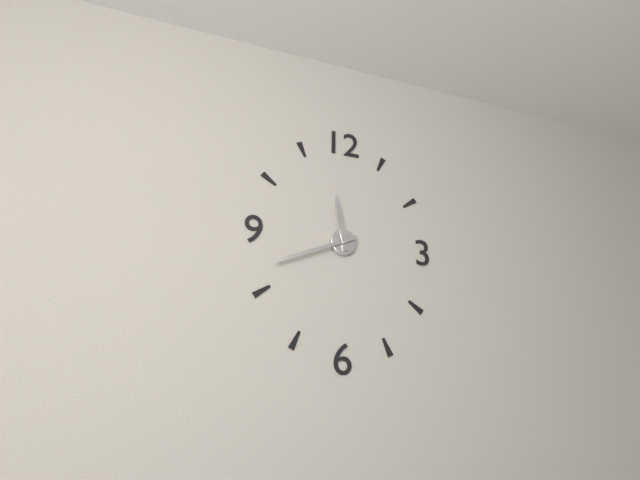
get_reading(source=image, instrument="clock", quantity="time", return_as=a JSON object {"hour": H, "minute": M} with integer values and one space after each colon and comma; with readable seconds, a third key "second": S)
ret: {"hour": 11, "minute": 41}
